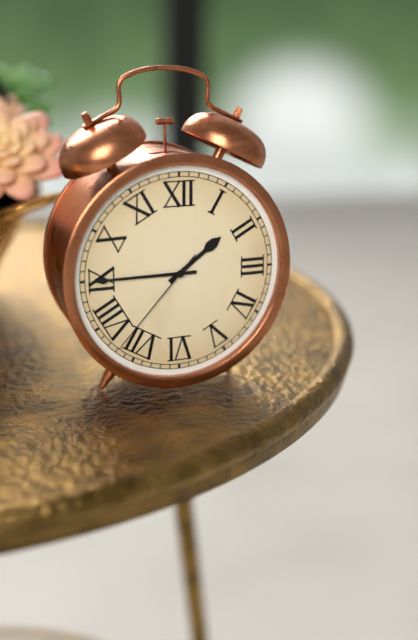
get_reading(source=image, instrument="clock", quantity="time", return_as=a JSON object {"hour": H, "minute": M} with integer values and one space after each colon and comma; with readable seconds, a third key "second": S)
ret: {"hour": 1, "minute": 45, "second": 37}
